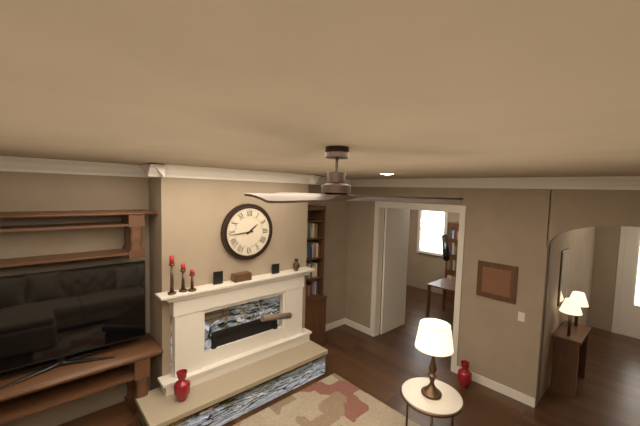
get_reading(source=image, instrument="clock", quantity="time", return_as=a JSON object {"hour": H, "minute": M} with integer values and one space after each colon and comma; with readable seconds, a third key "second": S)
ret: {"hour": 1, "minute": 44}
